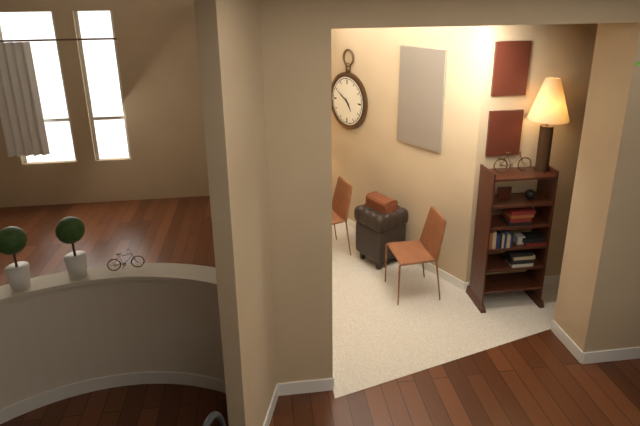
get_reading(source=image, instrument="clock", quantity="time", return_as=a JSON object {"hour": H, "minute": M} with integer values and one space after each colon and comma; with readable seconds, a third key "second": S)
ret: {"hour": 4, "minute": 50}
